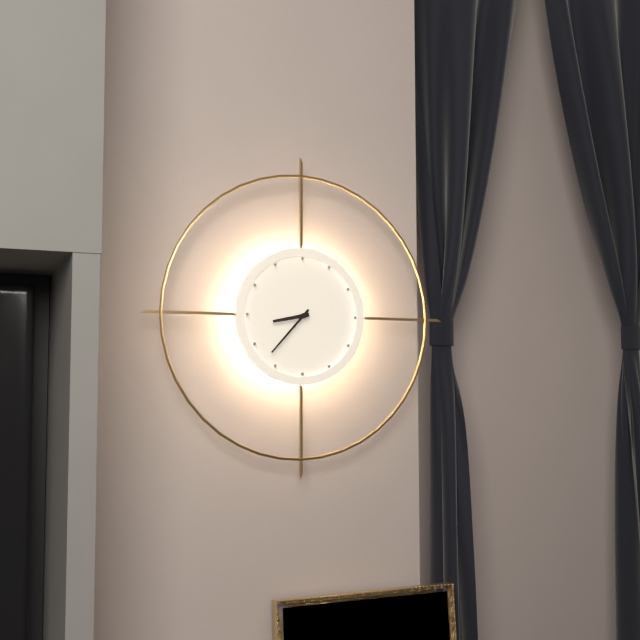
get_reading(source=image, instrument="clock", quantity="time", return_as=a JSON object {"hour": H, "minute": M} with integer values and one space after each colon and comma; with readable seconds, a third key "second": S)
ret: {"hour": 8, "minute": 37}
